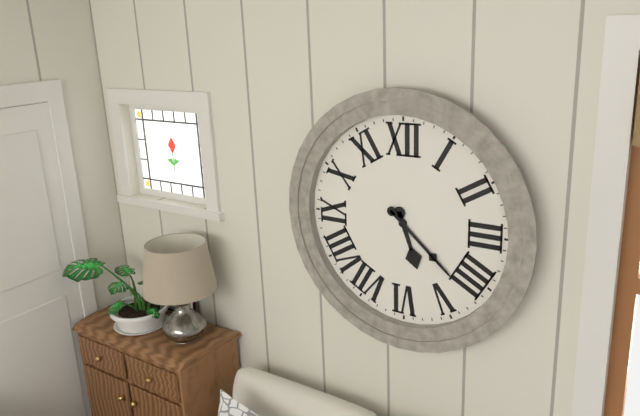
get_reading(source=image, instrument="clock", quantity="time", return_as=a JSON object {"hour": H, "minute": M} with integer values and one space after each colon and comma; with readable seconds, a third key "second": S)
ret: {"hour": 5, "minute": 22}
